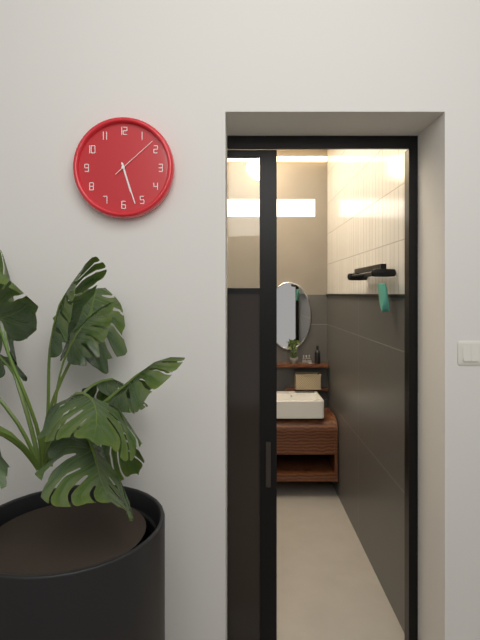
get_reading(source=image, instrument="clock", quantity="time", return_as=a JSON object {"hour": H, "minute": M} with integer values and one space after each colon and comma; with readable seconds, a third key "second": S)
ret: {"hour": 5, "minute": 27, "second": 8}
